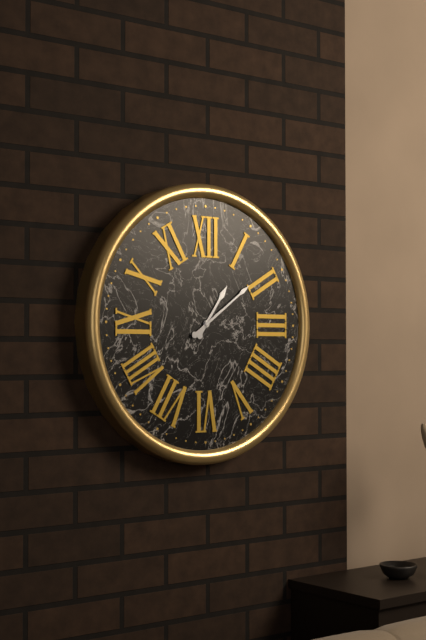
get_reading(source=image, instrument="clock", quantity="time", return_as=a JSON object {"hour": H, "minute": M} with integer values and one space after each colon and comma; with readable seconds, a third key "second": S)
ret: {"hour": 1, "minute": 9}
